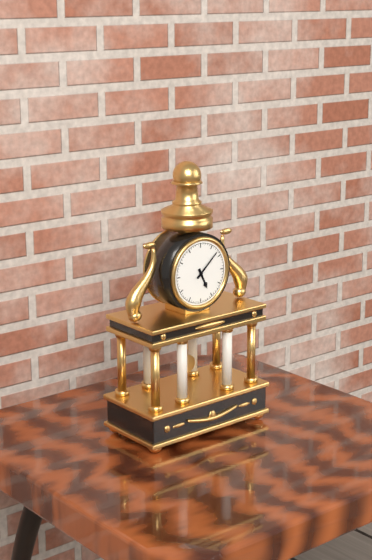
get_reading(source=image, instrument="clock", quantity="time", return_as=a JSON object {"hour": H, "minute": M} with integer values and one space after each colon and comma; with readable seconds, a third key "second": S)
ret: {"hour": 5, "minute": 8}
